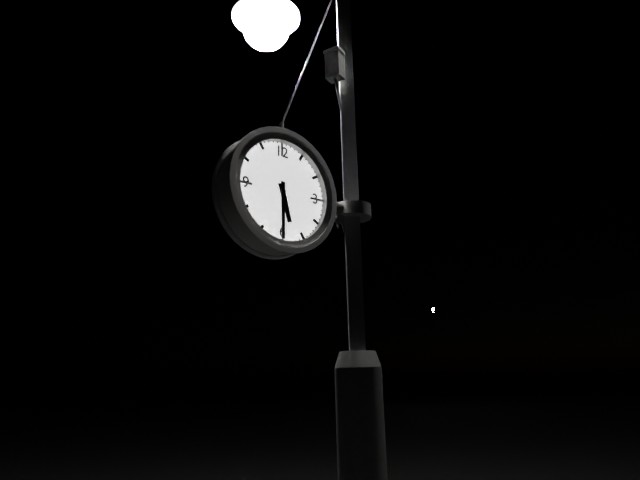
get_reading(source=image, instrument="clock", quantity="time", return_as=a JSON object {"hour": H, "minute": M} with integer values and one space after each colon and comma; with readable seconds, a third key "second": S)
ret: {"hour": 5, "minute": 30}
